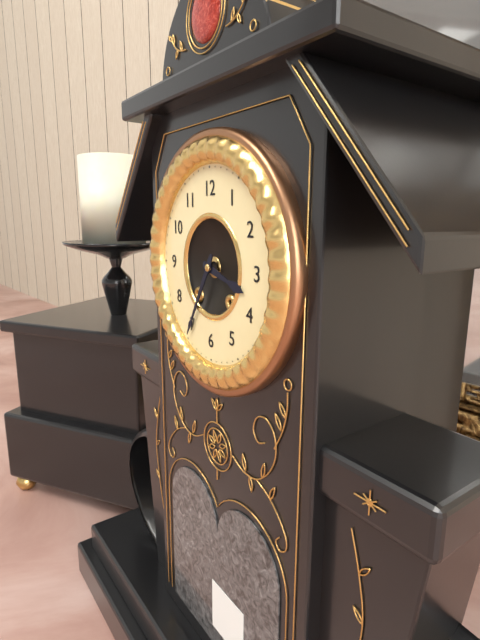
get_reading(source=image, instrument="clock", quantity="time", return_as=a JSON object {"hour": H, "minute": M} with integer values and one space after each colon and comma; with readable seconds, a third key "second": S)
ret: {"hour": 3, "minute": 35}
